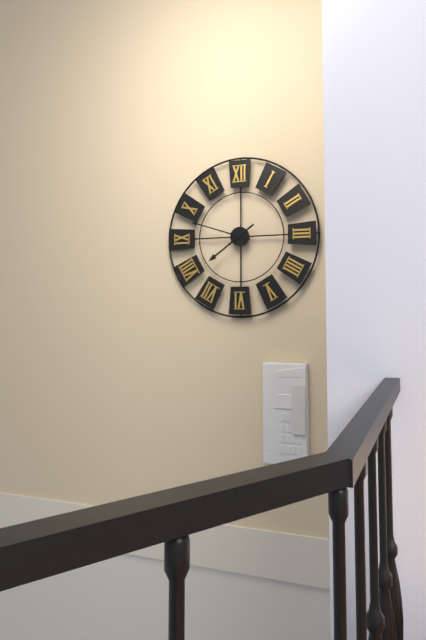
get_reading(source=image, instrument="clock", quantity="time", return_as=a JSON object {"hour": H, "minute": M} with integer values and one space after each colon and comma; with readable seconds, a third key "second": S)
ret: {"hour": 7, "minute": 48}
